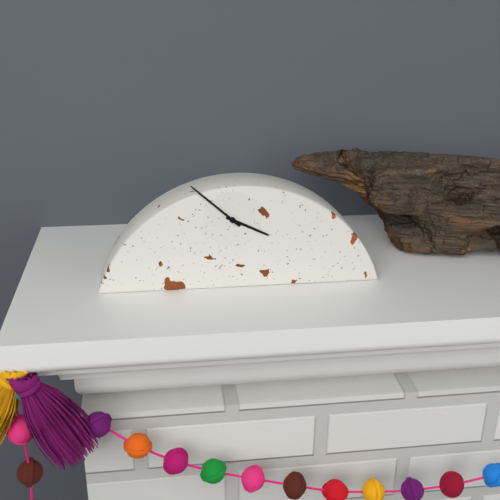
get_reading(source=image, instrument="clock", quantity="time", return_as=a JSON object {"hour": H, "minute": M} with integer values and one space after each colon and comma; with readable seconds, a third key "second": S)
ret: {"hour": 3, "minute": 52}
